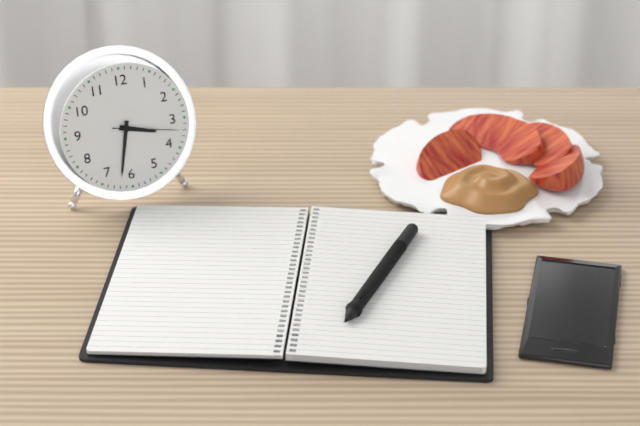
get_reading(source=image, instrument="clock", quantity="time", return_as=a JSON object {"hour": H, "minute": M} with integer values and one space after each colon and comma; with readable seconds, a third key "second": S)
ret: {"hour": 3, "minute": 32, "second": 17}
